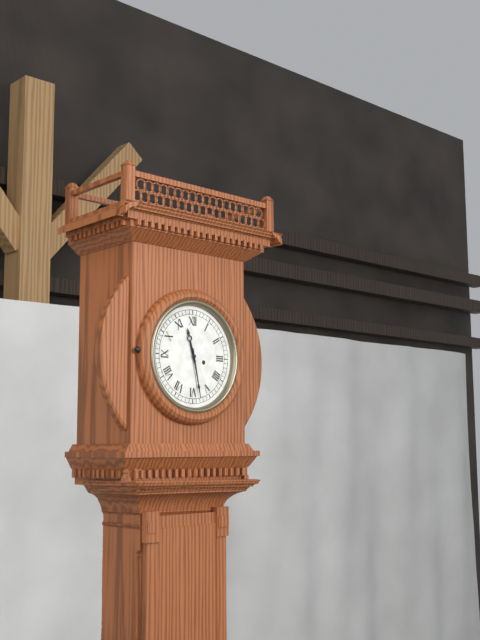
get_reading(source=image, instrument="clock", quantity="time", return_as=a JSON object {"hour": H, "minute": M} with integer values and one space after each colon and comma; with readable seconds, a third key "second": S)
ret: {"hour": 11, "minute": 28}
